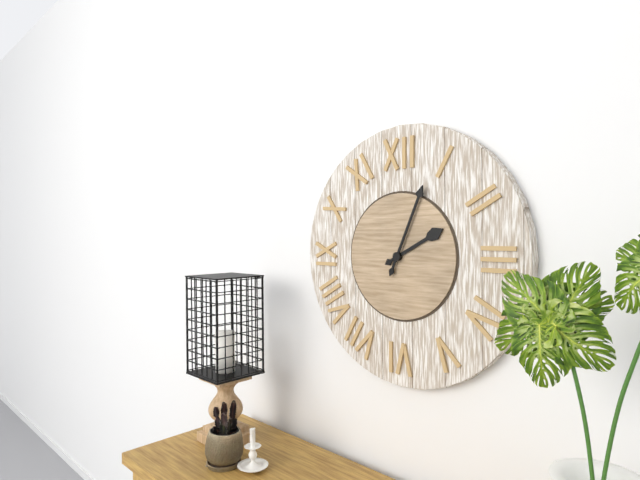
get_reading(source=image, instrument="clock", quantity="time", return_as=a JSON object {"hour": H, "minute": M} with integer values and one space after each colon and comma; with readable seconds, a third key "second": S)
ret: {"hour": 2, "minute": 4}
